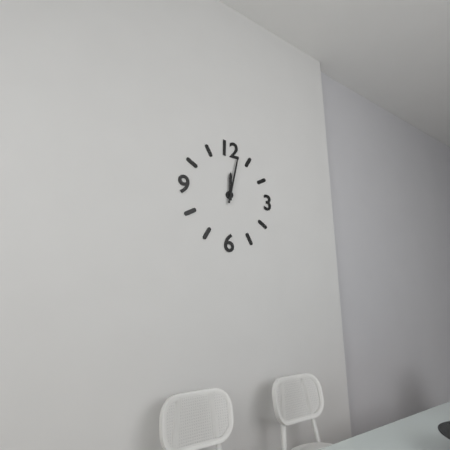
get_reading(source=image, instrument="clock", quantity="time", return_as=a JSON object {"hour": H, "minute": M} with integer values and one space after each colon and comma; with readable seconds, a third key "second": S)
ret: {"hour": 12, "minute": 2}
